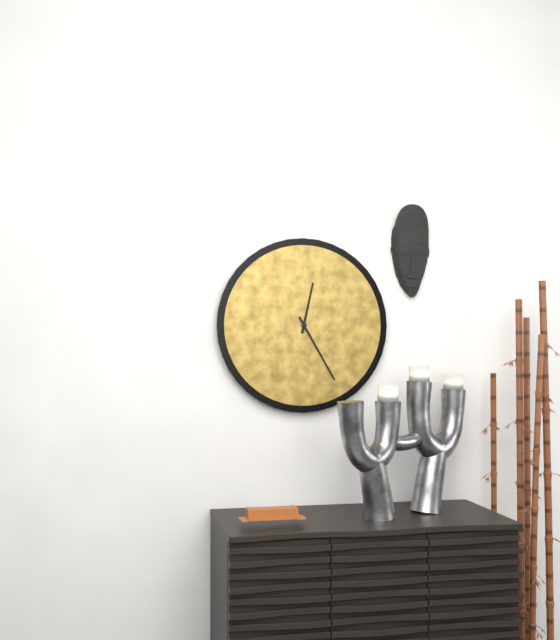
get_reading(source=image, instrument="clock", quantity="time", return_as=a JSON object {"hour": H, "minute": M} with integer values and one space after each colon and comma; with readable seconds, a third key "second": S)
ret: {"hour": 12, "minute": 25}
